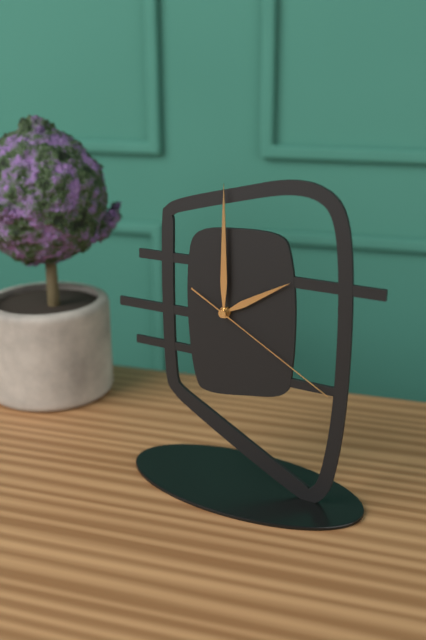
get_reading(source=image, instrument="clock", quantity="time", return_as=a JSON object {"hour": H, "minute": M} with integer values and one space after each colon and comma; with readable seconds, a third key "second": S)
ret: {"hour": 2, "minute": 0, "second": 20}
